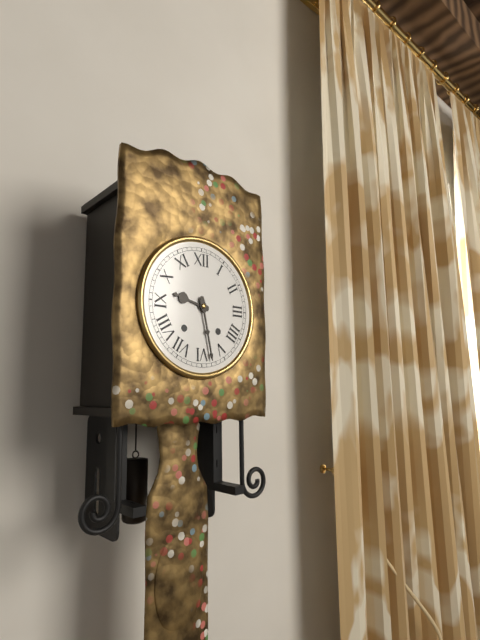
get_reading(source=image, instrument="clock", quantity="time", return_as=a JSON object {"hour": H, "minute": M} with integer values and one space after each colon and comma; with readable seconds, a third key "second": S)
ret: {"hour": 9, "minute": 28}
